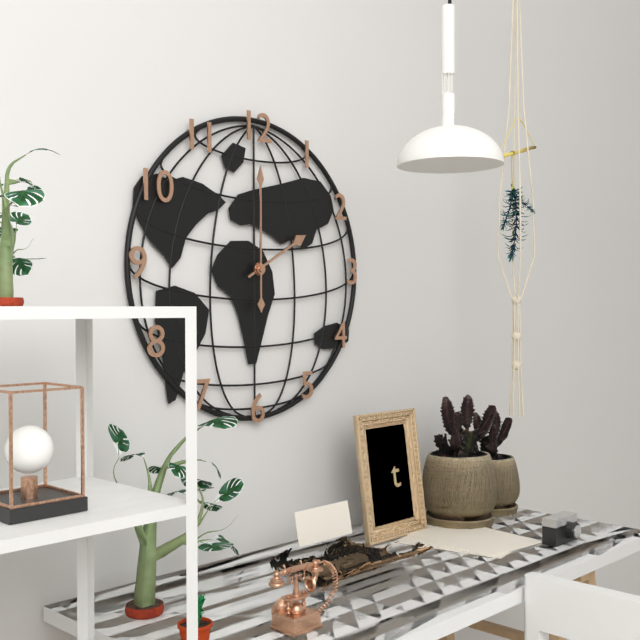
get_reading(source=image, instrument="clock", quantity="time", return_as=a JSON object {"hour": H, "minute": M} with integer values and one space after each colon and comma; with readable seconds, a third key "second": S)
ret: {"hour": 2, "minute": 0}
